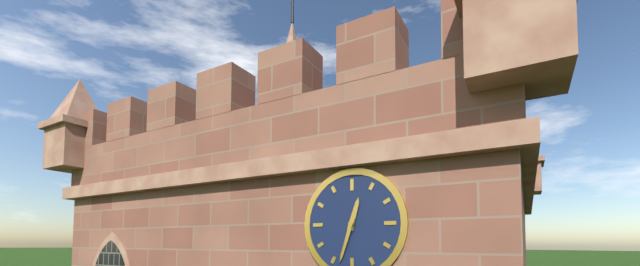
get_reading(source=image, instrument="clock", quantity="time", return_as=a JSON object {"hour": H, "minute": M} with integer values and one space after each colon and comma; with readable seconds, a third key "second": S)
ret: {"hour": 12, "minute": 33}
